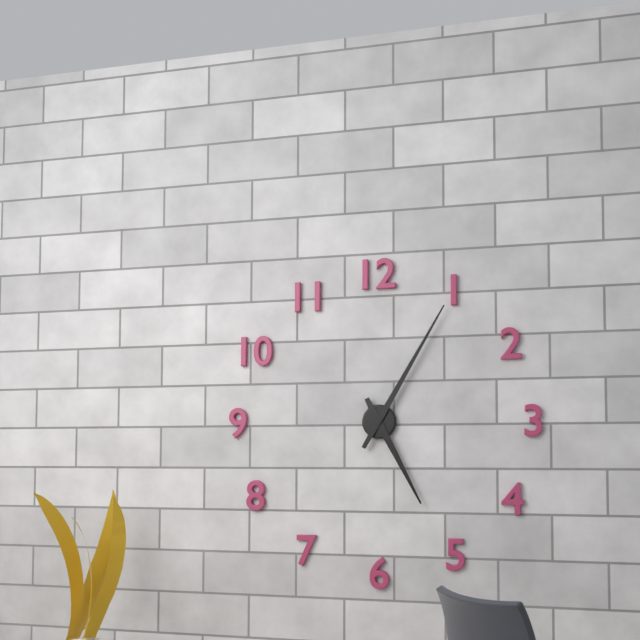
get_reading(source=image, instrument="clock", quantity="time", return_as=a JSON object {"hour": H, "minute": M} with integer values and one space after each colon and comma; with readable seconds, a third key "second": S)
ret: {"hour": 5, "minute": 5}
